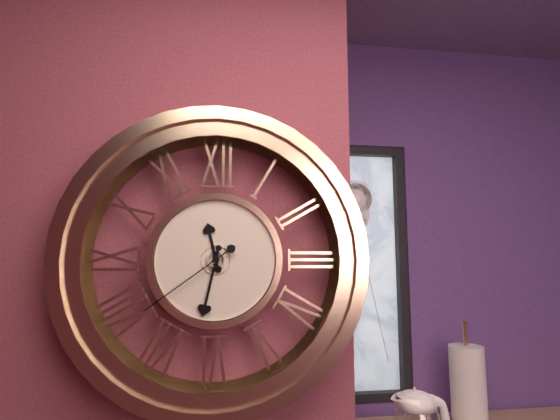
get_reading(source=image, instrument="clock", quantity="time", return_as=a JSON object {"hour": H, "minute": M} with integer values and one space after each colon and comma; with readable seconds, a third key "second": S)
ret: {"hour": 11, "minute": 32, "second": 39}
